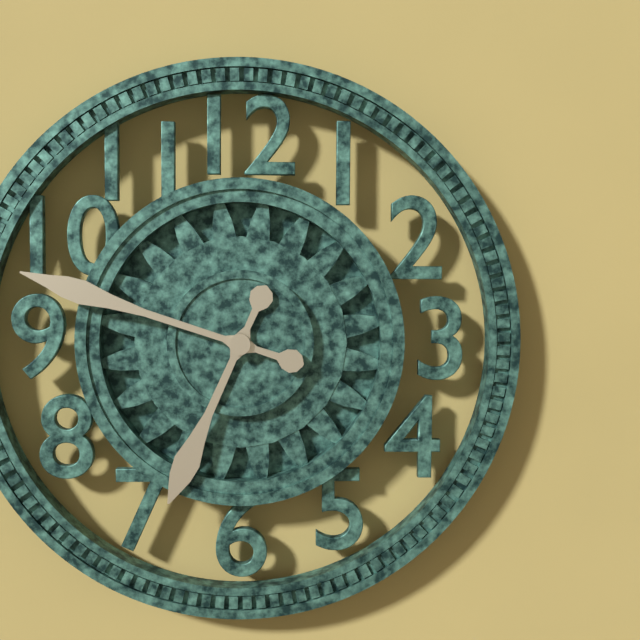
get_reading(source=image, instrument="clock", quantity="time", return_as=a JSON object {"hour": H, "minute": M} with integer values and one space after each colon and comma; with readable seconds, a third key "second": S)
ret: {"hour": 6, "minute": 48}
